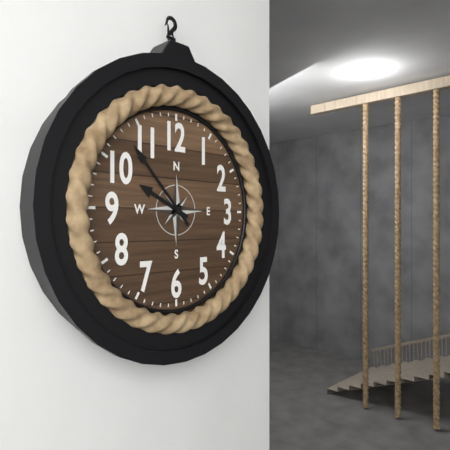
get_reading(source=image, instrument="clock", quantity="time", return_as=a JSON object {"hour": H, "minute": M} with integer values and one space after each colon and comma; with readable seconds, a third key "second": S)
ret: {"hour": 9, "minute": 53}
